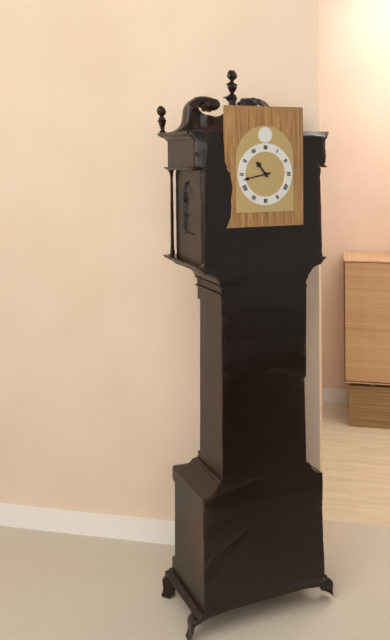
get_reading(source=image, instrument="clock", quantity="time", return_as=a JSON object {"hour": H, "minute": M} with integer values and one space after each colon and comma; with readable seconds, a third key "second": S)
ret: {"hour": 10, "minute": 43}
